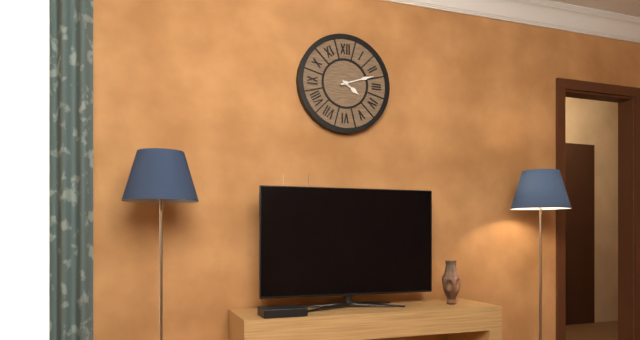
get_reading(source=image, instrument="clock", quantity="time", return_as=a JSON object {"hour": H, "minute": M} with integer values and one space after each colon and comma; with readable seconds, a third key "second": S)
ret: {"hour": 4, "minute": 12}
